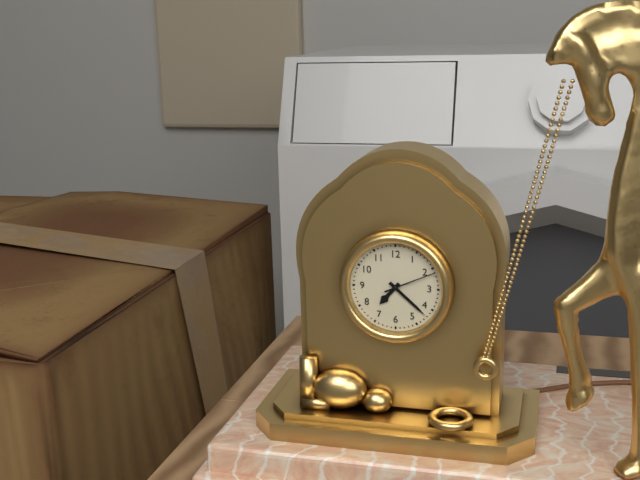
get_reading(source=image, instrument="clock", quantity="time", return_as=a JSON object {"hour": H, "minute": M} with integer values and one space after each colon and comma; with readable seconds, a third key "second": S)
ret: {"hour": 7, "minute": 22, "second": 11}
